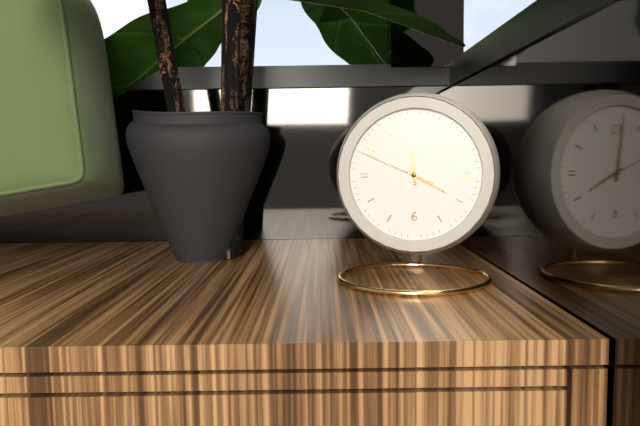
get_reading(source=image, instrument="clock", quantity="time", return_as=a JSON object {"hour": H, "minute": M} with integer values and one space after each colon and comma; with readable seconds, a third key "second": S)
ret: {"hour": 3, "minute": 59, "second": 49}
